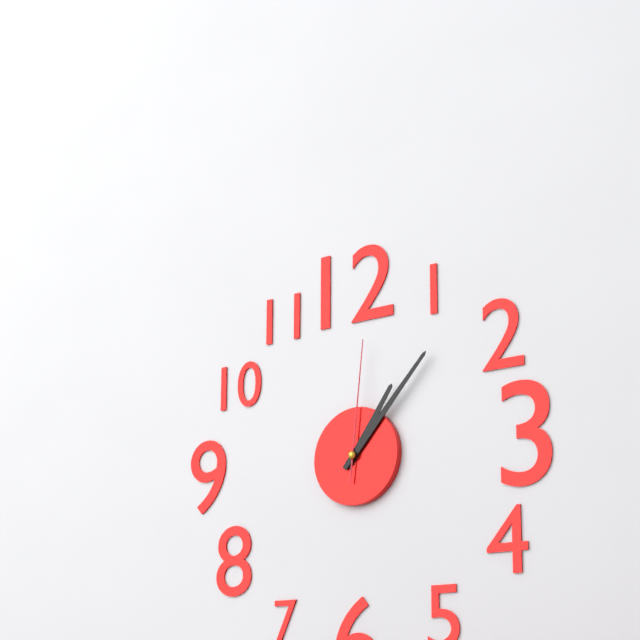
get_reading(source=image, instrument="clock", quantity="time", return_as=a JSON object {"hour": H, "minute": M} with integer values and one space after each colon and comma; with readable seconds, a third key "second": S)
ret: {"hour": 1, "minute": 7, "second": 1}
